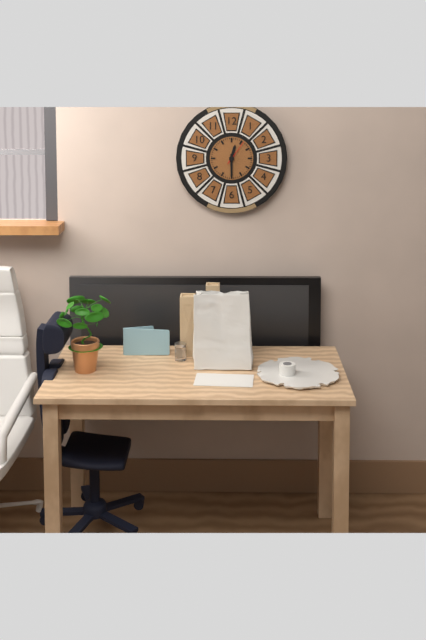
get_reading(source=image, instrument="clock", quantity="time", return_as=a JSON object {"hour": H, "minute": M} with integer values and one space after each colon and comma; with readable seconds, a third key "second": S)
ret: {"hour": 12, "minute": 30}
